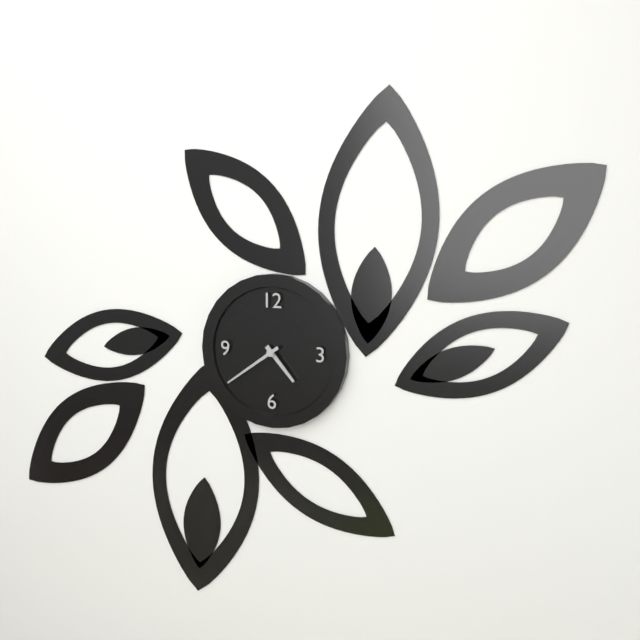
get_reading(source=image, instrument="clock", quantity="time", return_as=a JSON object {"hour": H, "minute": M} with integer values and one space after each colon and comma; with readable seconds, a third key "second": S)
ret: {"hour": 4, "minute": 39}
